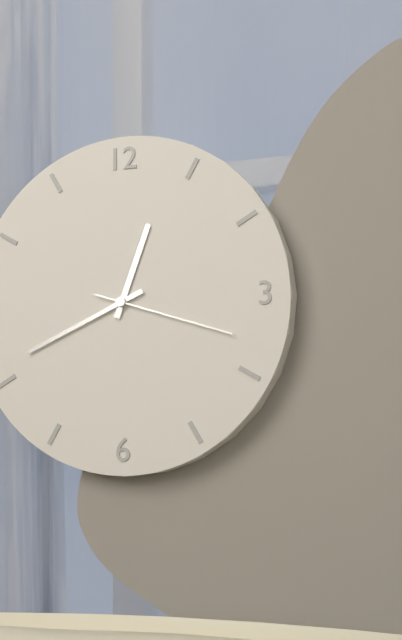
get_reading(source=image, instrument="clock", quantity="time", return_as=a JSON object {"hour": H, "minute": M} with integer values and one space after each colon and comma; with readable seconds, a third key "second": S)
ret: {"hour": 12, "minute": 41, "second": 18}
